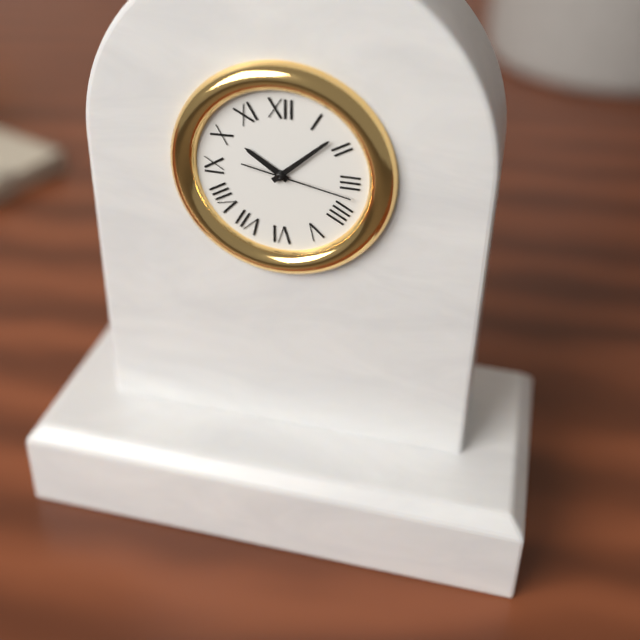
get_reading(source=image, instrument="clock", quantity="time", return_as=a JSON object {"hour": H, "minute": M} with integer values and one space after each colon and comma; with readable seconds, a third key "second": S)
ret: {"hour": 10, "minute": 8, "second": 17}
